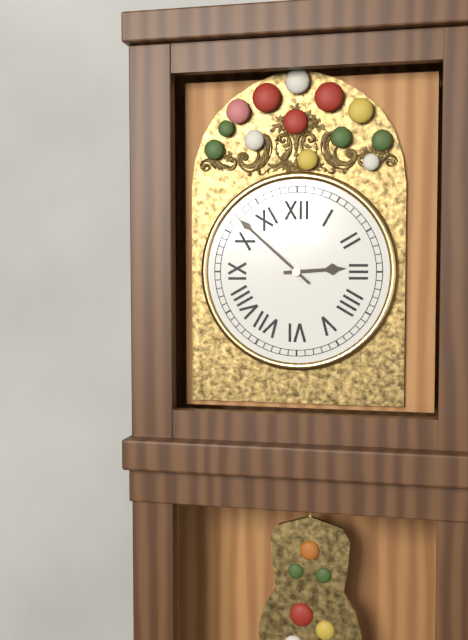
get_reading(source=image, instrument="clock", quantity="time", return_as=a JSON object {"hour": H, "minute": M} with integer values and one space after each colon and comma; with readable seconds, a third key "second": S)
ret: {"hour": 2, "minute": 52}
